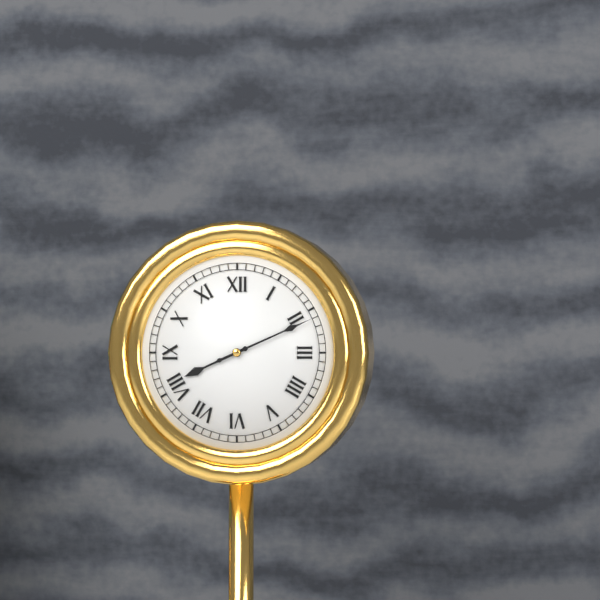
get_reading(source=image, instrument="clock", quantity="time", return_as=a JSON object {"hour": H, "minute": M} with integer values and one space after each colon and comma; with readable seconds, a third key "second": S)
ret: {"hour": 8, "minute": 11}
